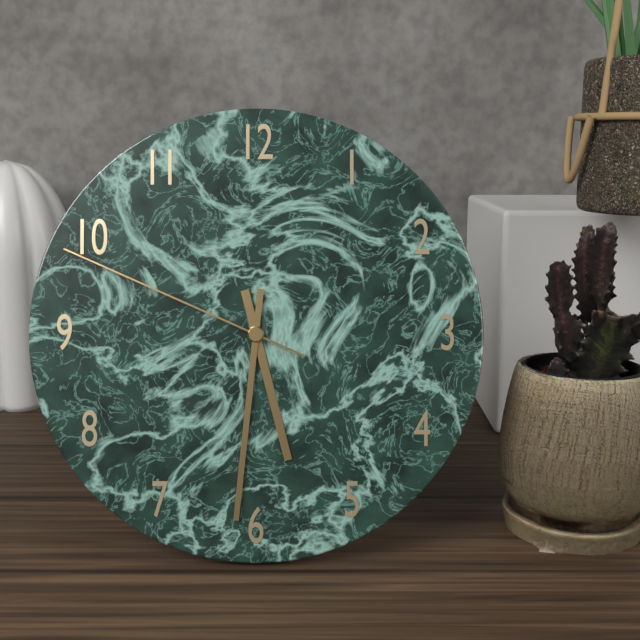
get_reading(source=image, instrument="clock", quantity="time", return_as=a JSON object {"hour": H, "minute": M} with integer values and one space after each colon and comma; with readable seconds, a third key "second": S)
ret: {"hour": 5, "minute": 31, "second": 49}
